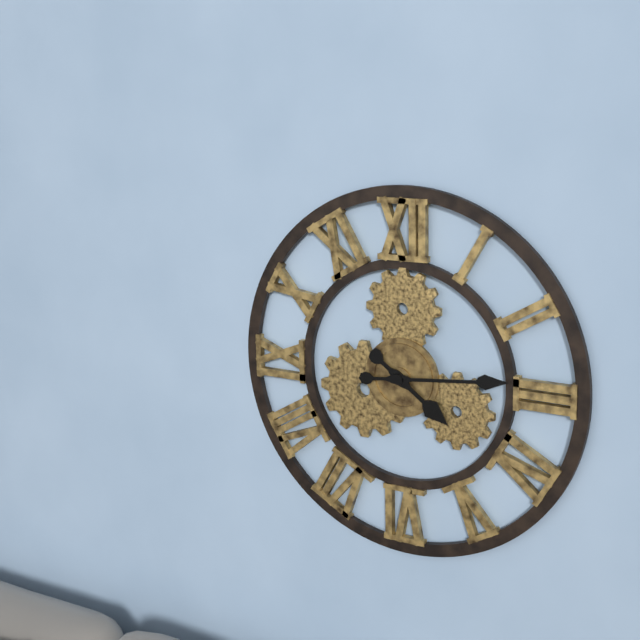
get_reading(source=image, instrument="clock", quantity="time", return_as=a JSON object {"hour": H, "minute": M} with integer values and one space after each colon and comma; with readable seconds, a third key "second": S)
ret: {"hour": 4, "minute": 14}
